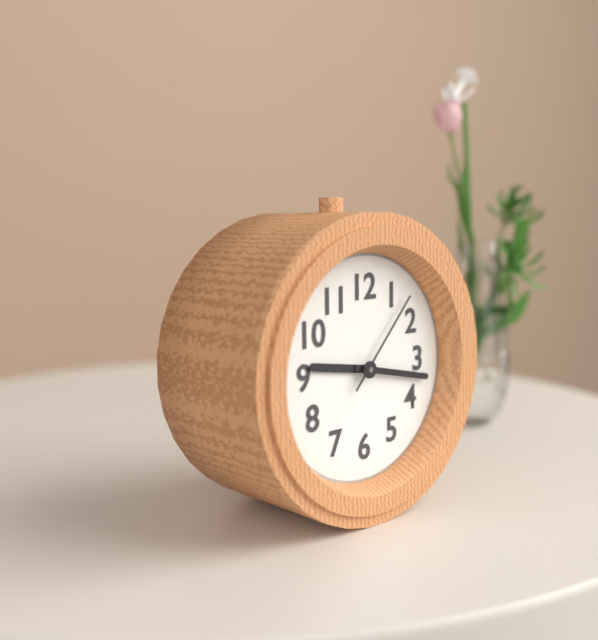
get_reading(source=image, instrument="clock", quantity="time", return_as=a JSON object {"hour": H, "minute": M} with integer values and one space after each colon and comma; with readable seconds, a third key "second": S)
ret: {"hour": 9, "minute": 17, "second": 7}
